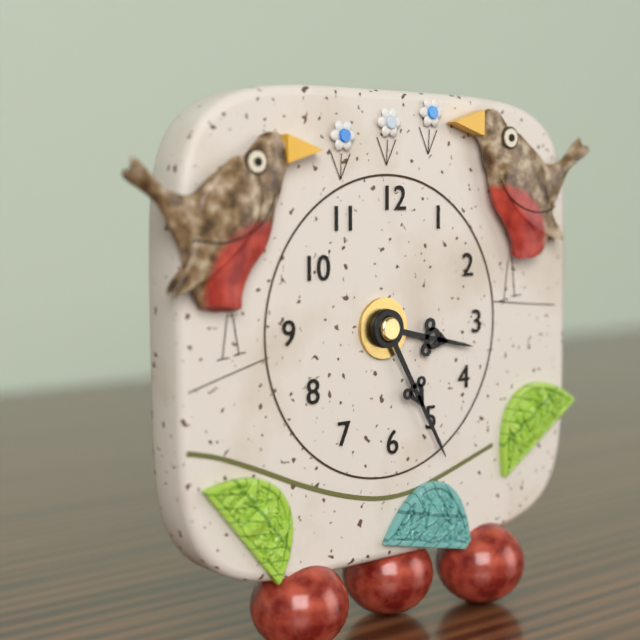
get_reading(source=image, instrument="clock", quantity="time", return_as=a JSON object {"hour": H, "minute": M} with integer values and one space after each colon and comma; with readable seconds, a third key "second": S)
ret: {"hour": 3, "minute": 25}
